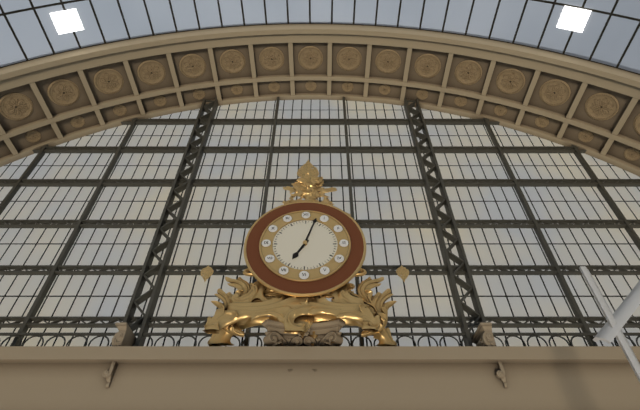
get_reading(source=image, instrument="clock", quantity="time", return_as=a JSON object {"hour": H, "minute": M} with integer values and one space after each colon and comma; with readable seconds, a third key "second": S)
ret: {"hour": 7, "minute": 3}
